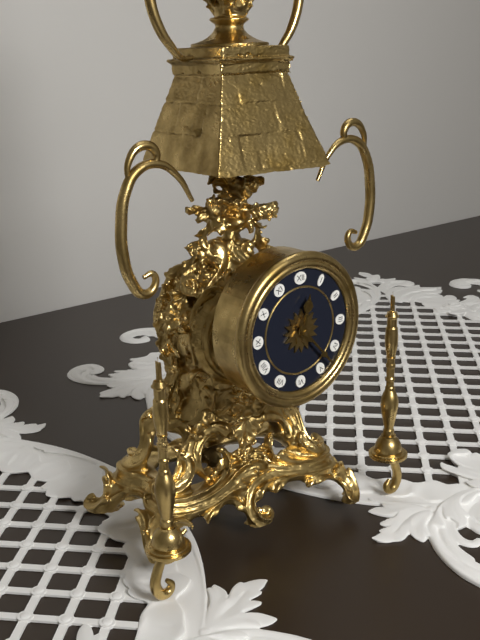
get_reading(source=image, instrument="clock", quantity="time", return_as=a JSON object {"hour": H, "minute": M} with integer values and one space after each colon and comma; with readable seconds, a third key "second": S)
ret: {"hour": 12, "minute": 23}
